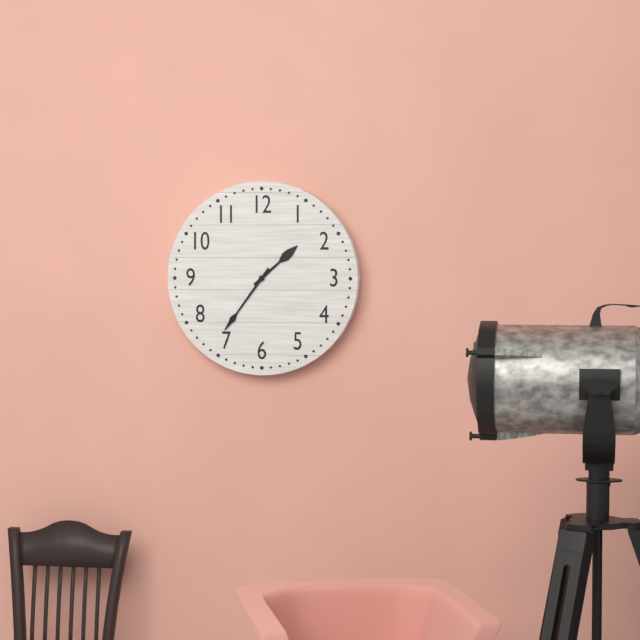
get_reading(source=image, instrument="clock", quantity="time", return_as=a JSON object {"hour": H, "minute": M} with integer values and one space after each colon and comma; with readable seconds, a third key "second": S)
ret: {"hour": 1, "minute": 36}
